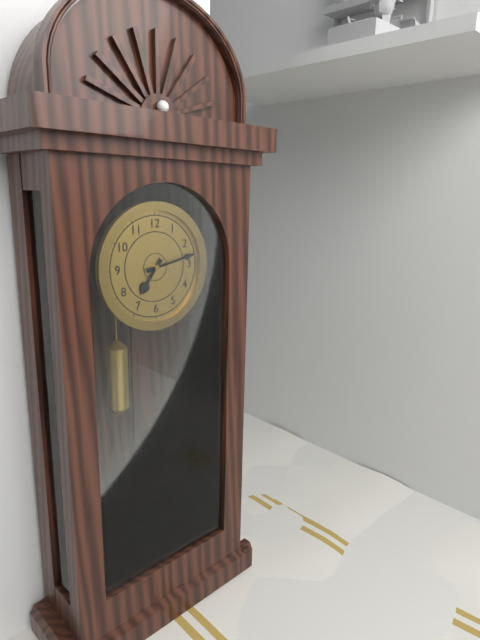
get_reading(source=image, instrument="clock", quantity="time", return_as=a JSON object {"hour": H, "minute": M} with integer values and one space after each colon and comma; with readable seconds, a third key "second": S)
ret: {"hour": 7, "minute": 13}
